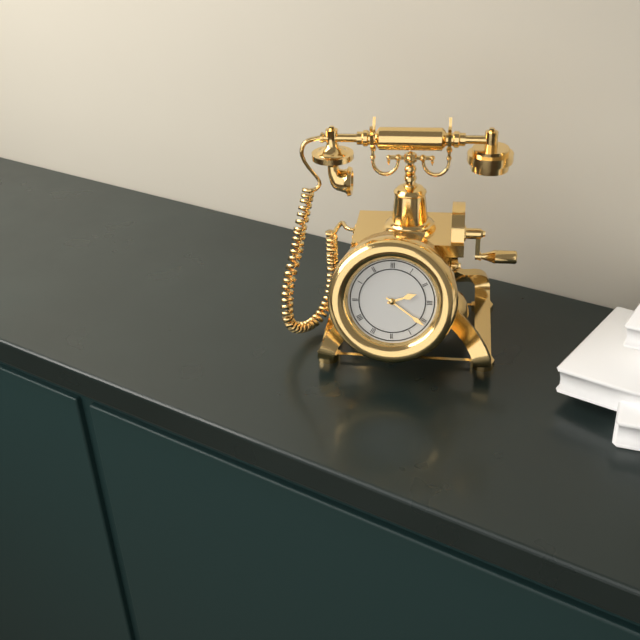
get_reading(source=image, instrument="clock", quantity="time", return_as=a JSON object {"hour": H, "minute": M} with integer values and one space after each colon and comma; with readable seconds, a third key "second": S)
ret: {"hour": 2, "minute": 21}
